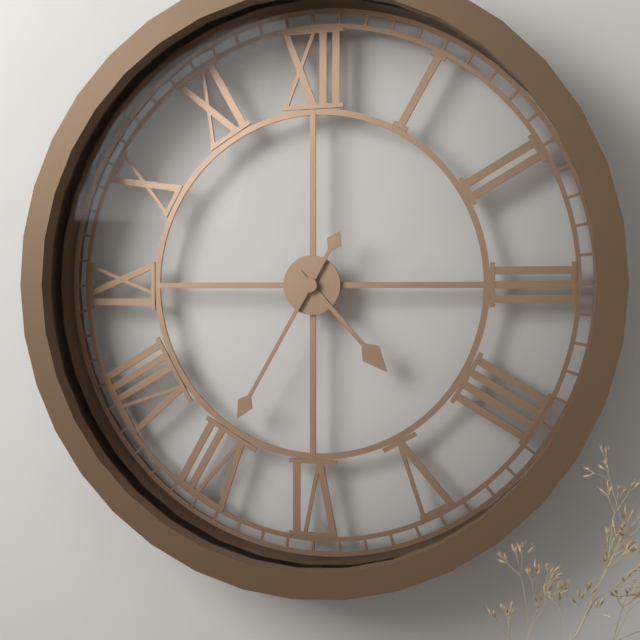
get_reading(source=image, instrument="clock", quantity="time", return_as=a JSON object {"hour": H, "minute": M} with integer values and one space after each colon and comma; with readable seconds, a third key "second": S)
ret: {"hour": 4, "minute": 35}
